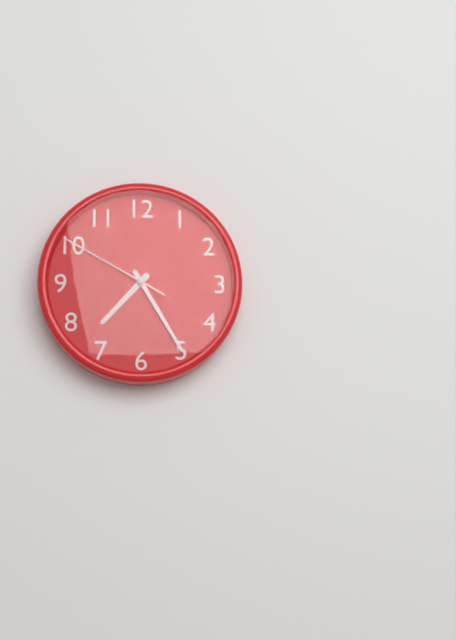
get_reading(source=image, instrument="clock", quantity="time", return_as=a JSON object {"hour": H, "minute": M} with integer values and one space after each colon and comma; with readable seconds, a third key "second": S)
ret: {"hour": 7, "minute": 25, "second": 50}
